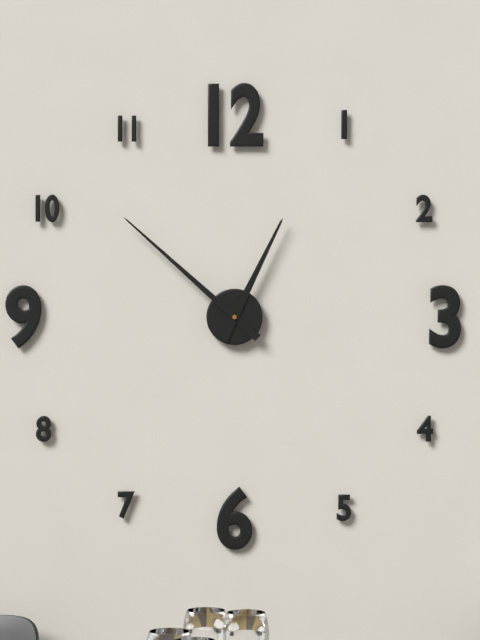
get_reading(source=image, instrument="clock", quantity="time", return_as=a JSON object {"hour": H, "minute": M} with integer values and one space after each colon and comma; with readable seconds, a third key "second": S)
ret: {"hour": 12, "minute": 52}
